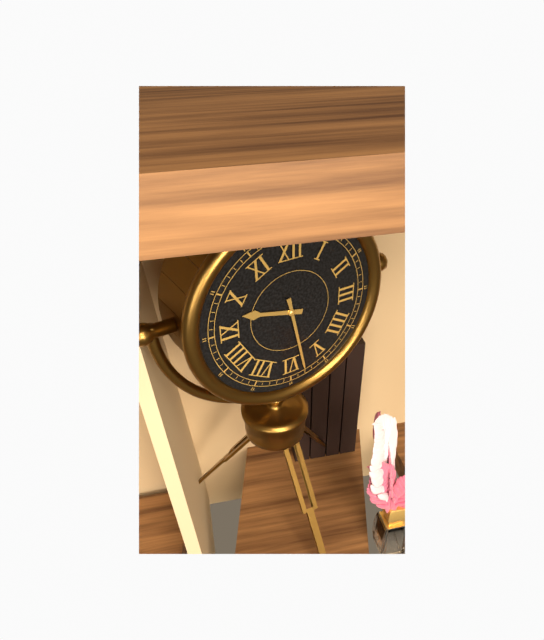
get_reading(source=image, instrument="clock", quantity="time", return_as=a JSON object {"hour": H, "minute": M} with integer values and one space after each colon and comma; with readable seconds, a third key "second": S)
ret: {"hour": 9, "minute": 28}
